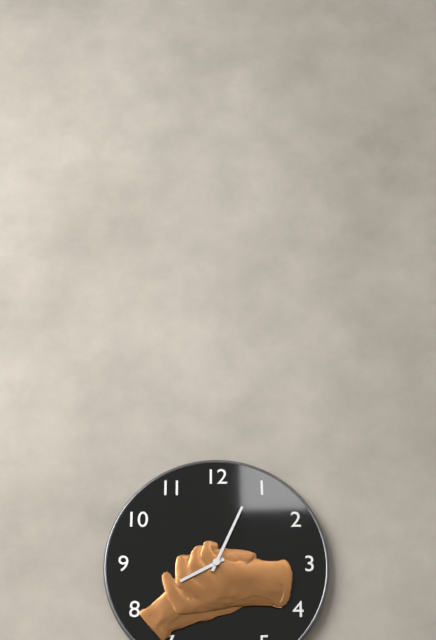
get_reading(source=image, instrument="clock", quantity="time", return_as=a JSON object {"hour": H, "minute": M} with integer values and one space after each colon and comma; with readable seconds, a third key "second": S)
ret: {"hour": 8, "minute": 4}
